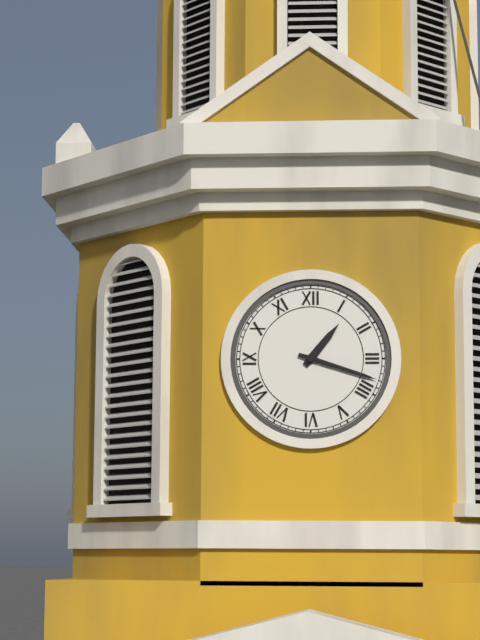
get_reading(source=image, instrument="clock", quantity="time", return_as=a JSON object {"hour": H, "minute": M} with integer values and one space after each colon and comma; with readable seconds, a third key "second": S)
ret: {"hour": 1, "minute": 18}
